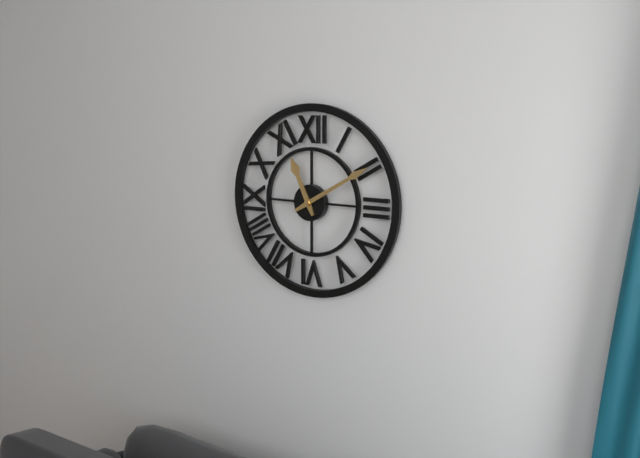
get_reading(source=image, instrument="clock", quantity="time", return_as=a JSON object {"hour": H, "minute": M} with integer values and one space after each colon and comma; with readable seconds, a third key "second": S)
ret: {"hour": 11, "minute": 10}
